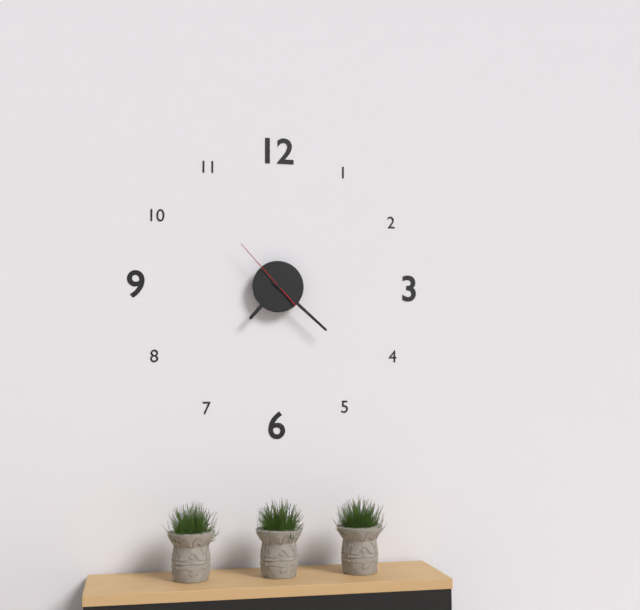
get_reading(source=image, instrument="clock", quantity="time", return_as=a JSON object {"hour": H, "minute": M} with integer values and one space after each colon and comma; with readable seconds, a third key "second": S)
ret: {"hour": 7, "minute": 22, "second": 53}
